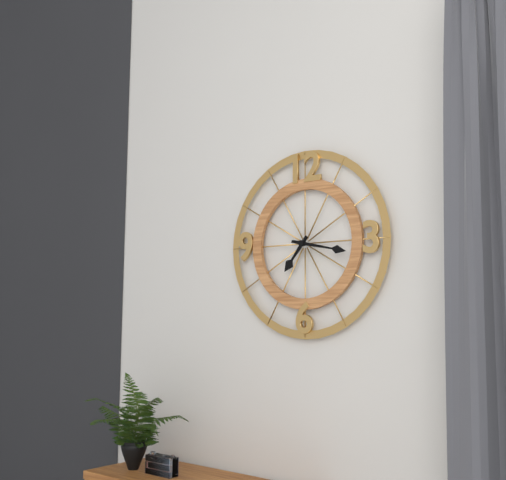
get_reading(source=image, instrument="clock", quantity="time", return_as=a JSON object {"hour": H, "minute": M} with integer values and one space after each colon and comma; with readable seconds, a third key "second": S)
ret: {"hour": 7, "minute": 17}
